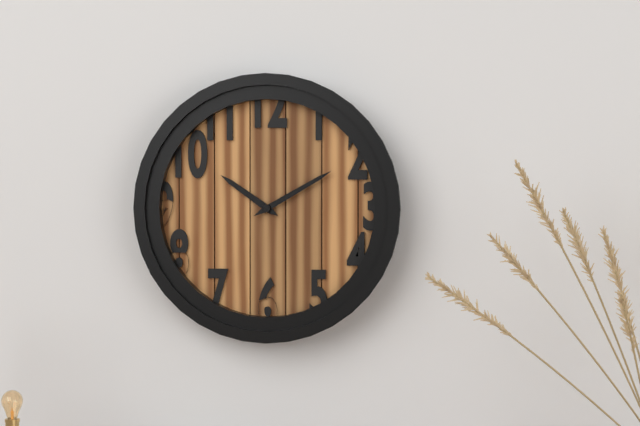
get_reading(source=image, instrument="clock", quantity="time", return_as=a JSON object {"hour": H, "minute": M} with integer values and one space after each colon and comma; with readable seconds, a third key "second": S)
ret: {"hour": 10, "minute": 10}
